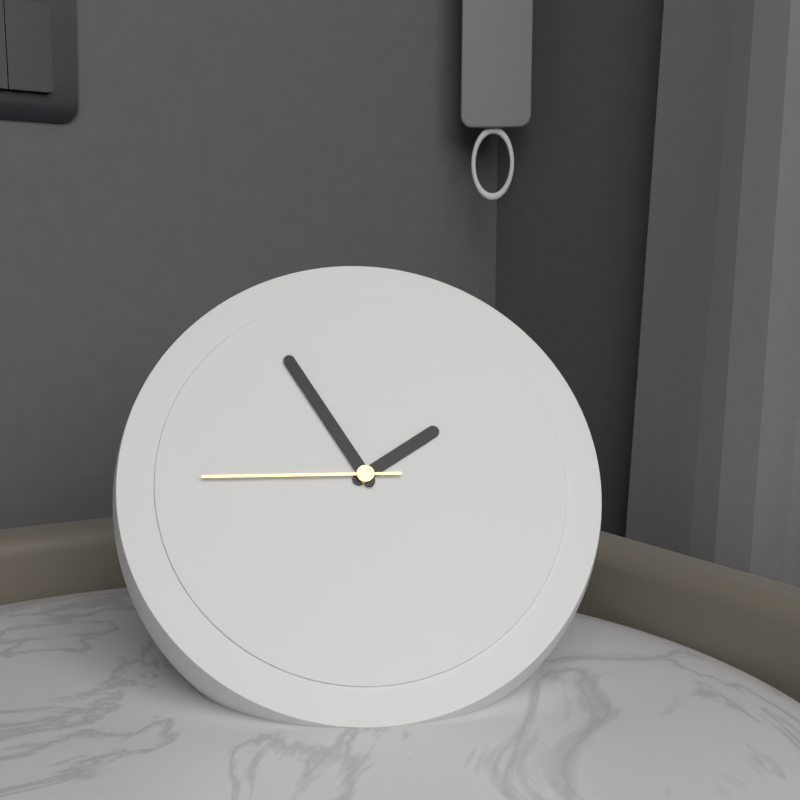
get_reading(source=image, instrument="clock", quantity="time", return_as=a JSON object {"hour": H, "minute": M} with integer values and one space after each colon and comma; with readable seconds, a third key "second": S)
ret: {"hour": 1, "minute": 55, "second": 45}
